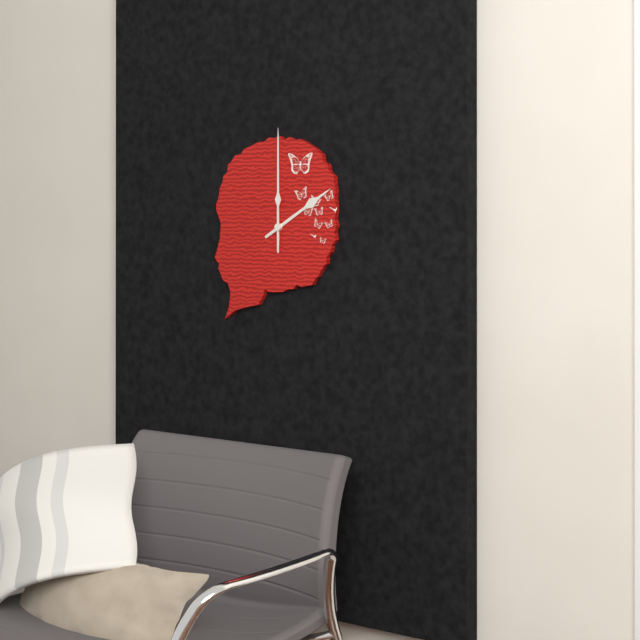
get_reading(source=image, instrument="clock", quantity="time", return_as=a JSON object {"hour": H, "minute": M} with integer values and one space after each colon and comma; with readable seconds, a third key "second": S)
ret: {"hour": 2, "minute": 0}
